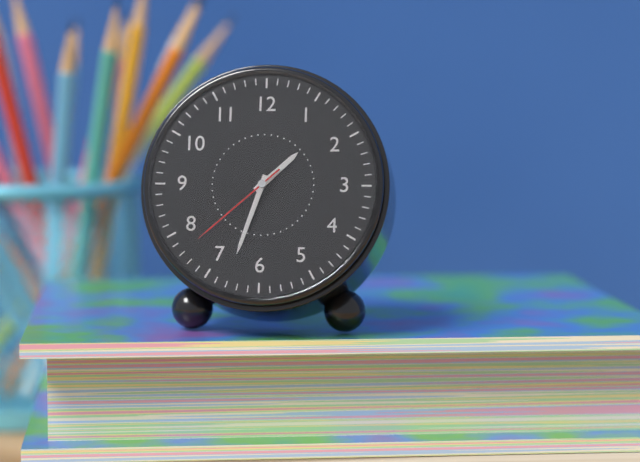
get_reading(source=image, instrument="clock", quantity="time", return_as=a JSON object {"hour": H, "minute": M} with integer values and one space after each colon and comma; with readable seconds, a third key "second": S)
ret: {"hour": 1, "minute": 33, "second": 38}
